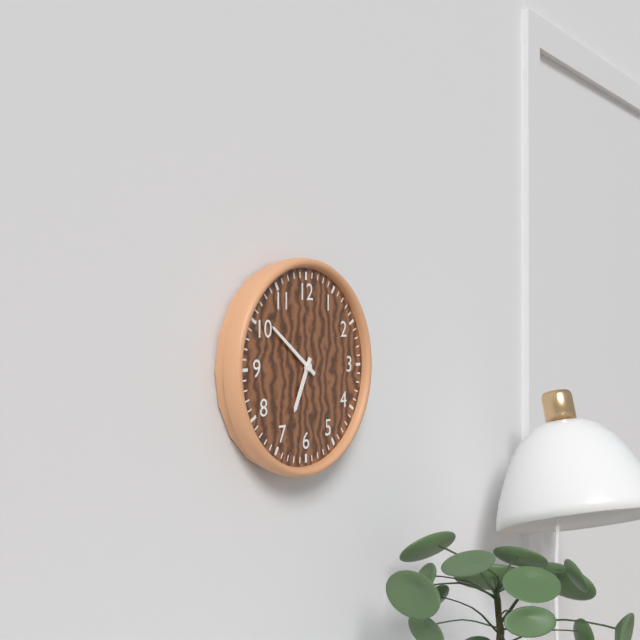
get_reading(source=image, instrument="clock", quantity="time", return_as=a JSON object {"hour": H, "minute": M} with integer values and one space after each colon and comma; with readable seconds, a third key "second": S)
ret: {"hour": 6, "minute": 51}
